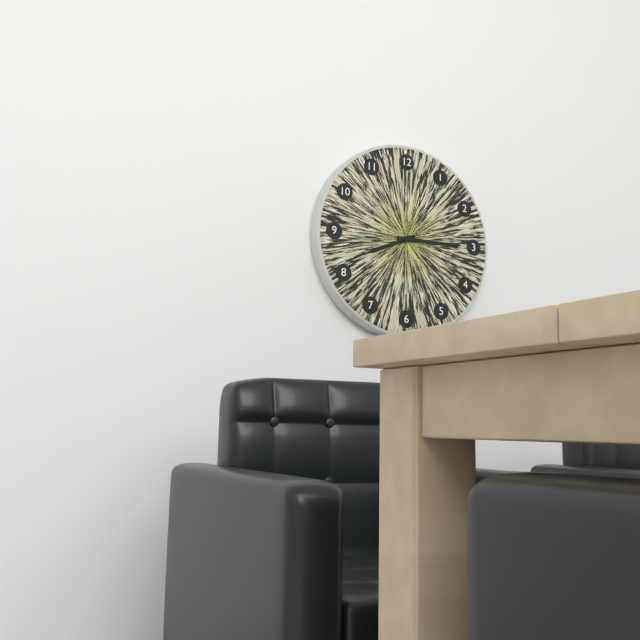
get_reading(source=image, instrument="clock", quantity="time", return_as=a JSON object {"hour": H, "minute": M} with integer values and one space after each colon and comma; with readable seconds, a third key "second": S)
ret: {"hour": 8, "minute": 15}
